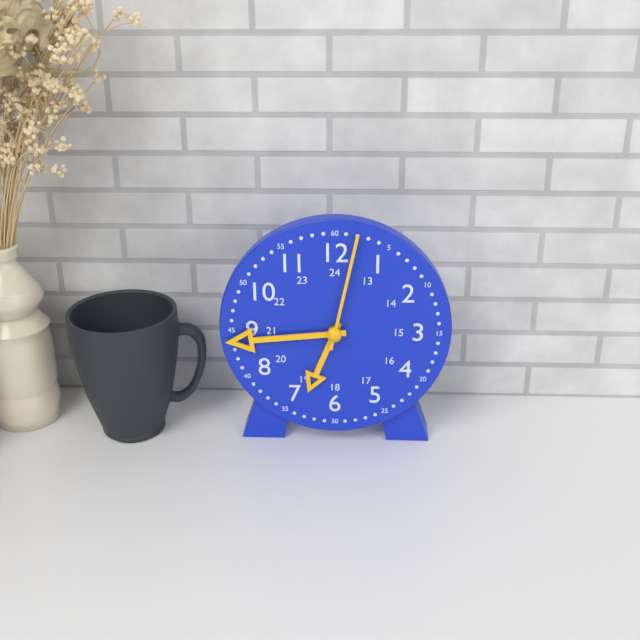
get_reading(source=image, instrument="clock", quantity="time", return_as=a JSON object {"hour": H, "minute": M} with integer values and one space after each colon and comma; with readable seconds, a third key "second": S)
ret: {"hour": 6, "minute": 44, "second": 2}
